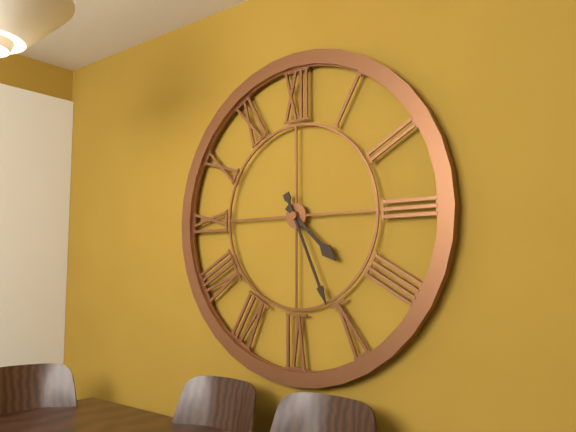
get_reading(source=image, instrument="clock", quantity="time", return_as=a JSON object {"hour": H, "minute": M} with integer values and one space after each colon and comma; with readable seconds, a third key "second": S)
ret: {"hour": 4, "minute": 26}
